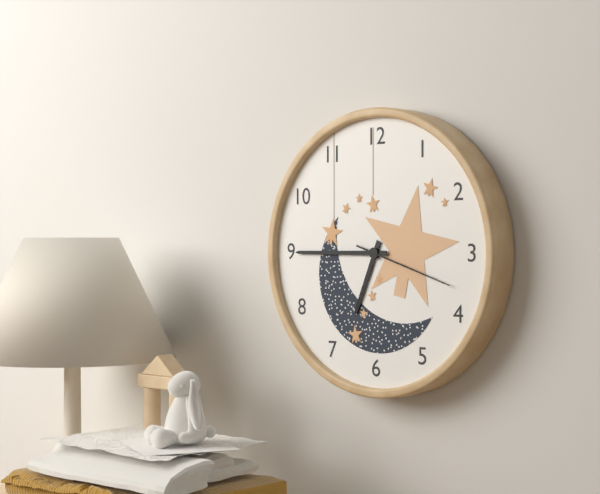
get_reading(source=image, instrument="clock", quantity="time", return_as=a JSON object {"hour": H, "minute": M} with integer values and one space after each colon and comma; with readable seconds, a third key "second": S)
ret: {"hour": 6, "minute": 45, "second": 18}
